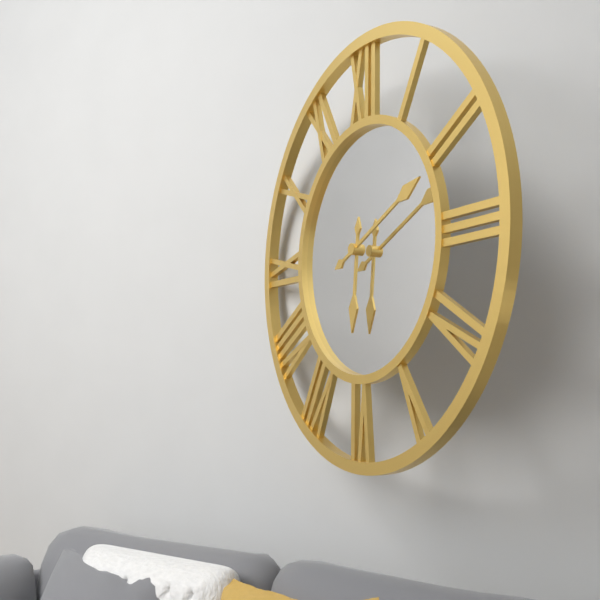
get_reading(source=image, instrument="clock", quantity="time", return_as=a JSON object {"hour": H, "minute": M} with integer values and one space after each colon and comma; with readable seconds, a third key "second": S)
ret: {"hour": 6, "minute": 11}
